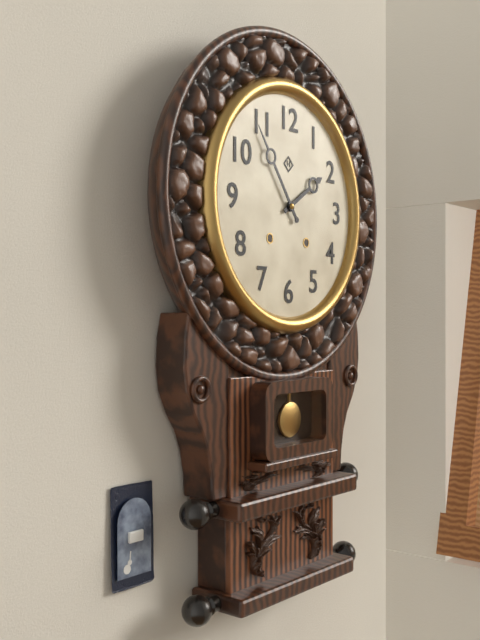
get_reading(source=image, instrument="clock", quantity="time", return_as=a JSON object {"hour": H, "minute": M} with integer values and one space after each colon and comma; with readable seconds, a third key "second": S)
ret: {"hour": 1, "minute": 54}
